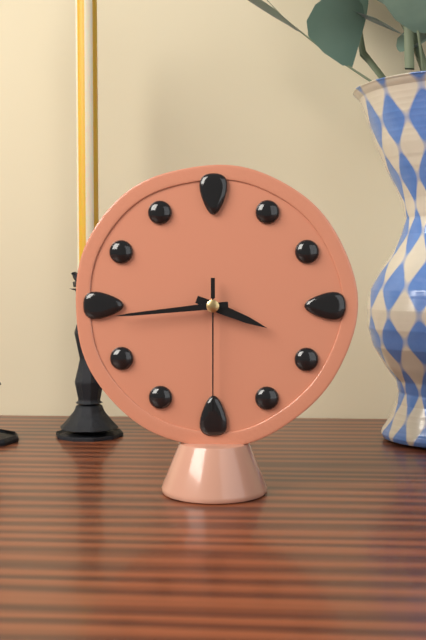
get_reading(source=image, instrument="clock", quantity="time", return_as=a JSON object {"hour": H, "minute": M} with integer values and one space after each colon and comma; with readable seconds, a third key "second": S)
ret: {"hour": 3, "minute": 44, "second": 30}
